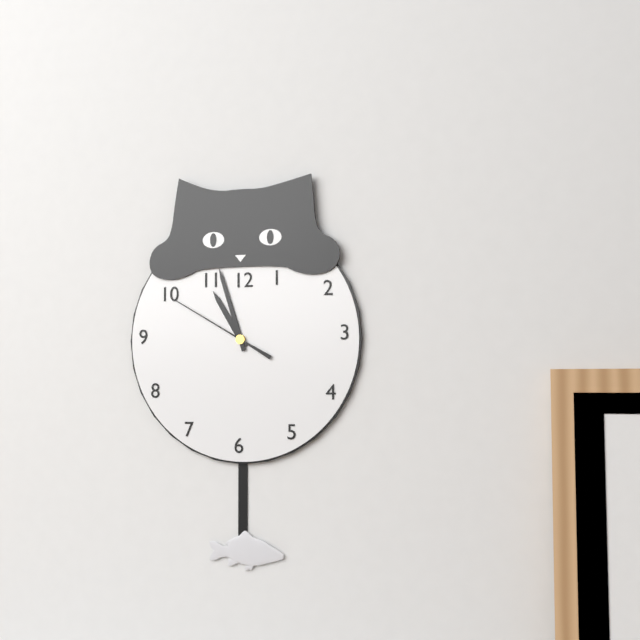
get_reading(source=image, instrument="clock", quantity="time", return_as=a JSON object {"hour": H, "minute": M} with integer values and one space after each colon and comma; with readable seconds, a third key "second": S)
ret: {"hour": 10, "minute": 57, "second": 50}
